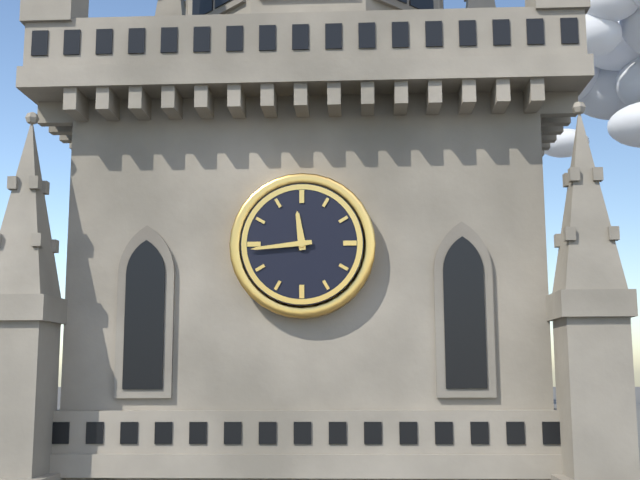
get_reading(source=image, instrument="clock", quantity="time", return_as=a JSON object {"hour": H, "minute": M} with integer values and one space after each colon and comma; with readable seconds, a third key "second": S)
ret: {"hour": 11, "minute": 44}
